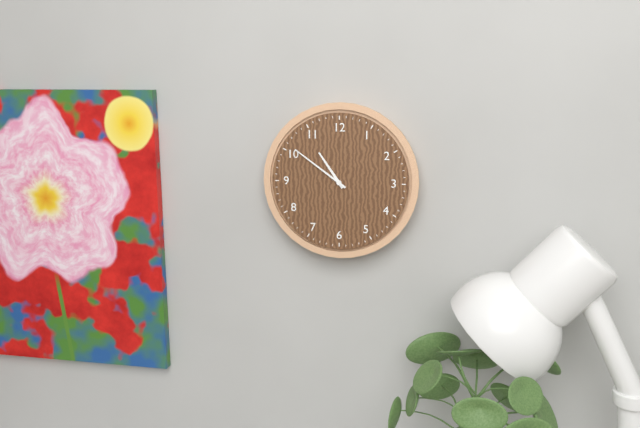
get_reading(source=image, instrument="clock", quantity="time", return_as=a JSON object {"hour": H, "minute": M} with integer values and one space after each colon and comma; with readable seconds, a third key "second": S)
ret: {"hour": 10, "minute": 51}
